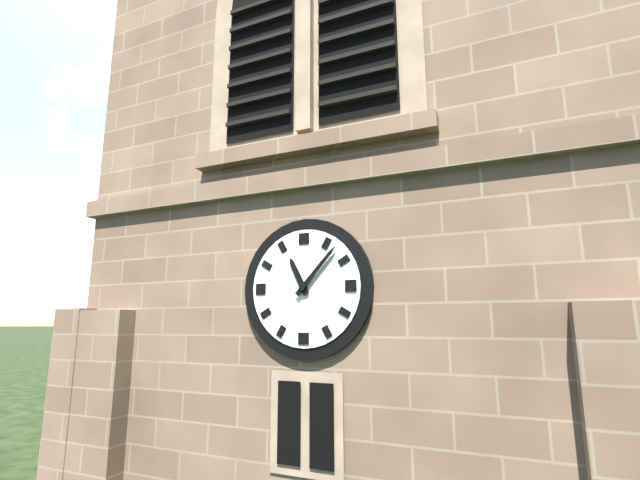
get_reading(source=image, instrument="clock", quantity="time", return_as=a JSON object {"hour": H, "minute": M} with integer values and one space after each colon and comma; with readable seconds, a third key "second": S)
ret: {"hour": 11, "minute": 7}
